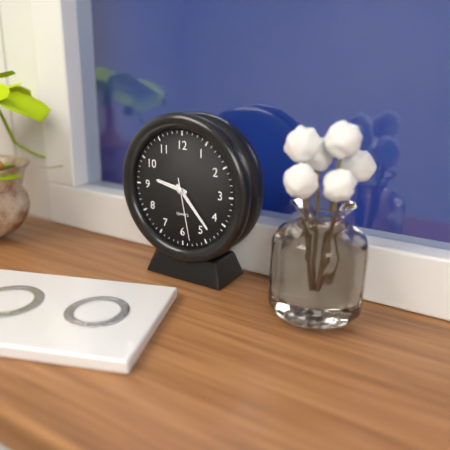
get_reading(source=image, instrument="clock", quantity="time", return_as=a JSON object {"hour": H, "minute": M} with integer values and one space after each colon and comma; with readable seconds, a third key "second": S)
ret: {"hour": 9, "minute": 23, "second": 28}
